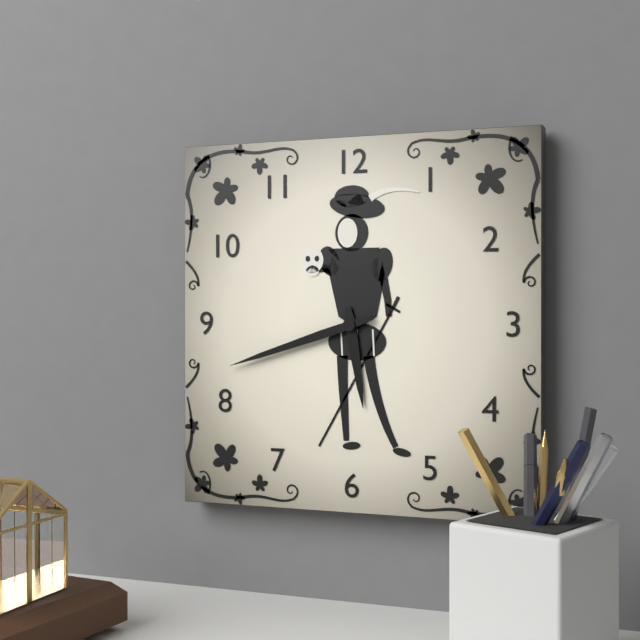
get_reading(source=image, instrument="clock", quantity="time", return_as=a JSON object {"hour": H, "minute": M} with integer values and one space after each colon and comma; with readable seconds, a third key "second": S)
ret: {"hour": 5, "minute": 42}
